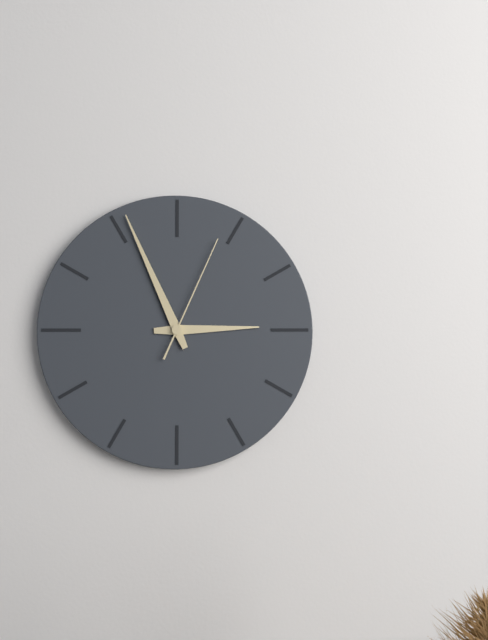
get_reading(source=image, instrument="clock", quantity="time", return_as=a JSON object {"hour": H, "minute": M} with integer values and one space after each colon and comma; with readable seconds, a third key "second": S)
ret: {"hour": 2, "minute": 56, "second": 4}
